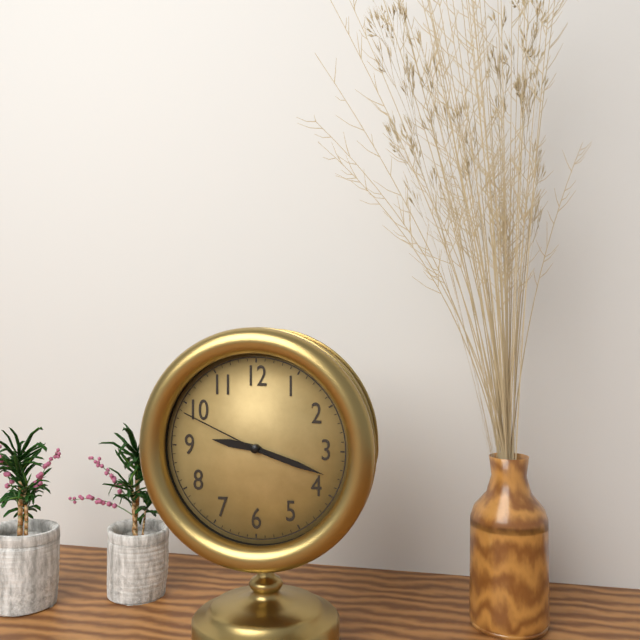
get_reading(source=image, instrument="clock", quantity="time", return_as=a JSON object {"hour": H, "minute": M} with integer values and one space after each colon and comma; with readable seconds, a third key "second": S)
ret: {"hour": 9, "minute": 18, "second": 49}
